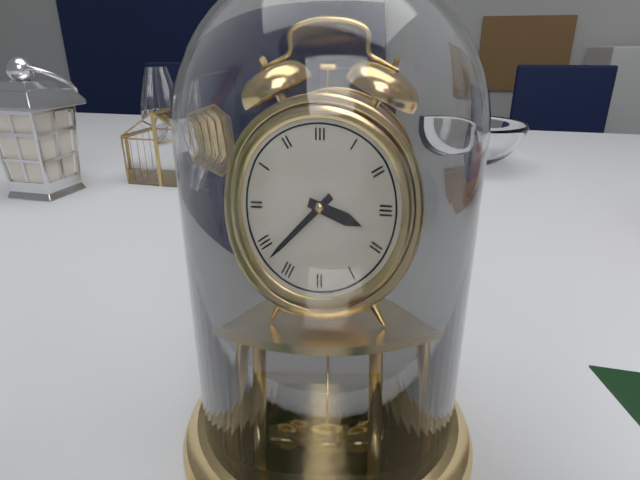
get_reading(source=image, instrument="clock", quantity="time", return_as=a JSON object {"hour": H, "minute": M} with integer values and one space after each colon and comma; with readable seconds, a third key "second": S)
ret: {"hour": 3, "minute": 38}
